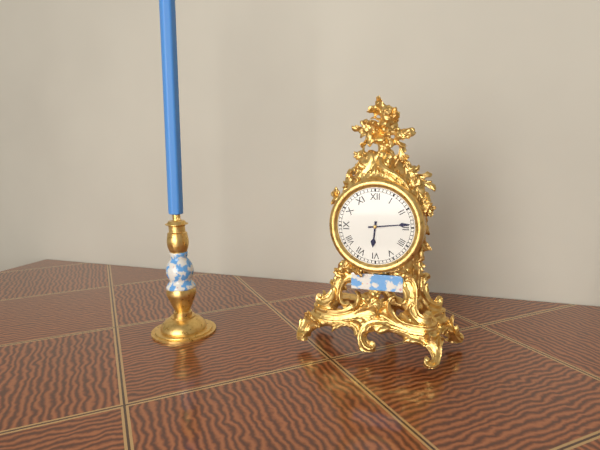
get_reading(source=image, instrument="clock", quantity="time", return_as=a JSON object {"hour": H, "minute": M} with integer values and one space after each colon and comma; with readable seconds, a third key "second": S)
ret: {"hour": 6, "minute": 14}
